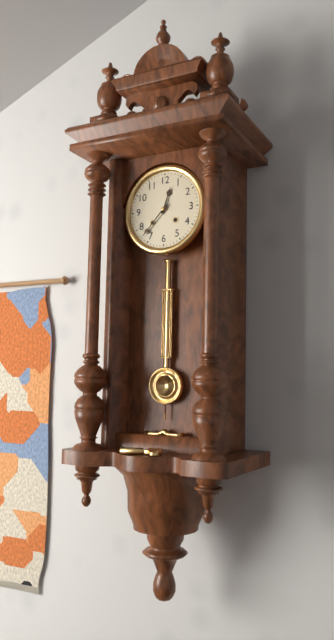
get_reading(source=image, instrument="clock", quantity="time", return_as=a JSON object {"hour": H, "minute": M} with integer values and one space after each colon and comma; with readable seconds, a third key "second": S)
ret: {"hour": 12, "minute": 37}
